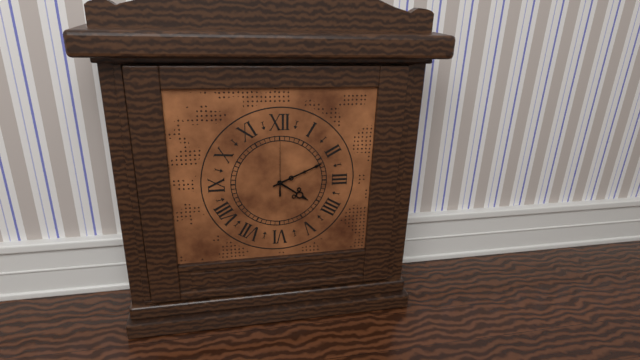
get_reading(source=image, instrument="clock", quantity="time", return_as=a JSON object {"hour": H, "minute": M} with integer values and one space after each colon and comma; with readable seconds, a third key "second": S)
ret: {"hour": 4, "minute": 11, "second": 0}
